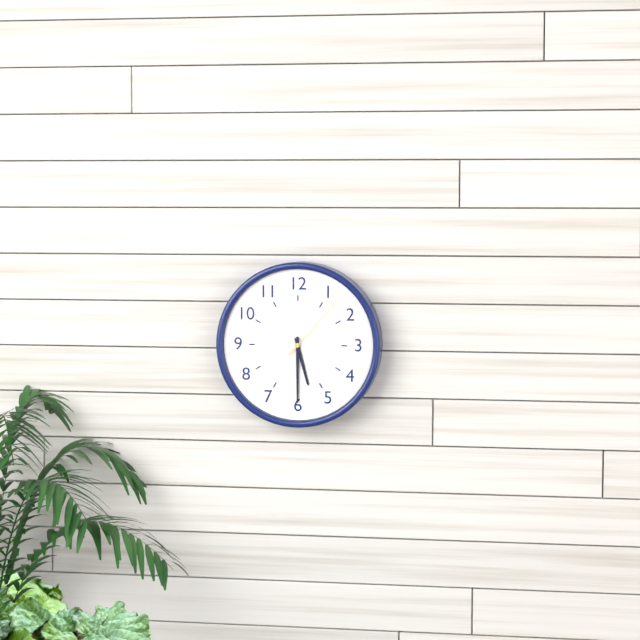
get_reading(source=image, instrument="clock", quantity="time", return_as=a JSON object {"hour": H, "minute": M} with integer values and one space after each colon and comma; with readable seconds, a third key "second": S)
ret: {"hour": 5, "minute": 30, "second": 7}
